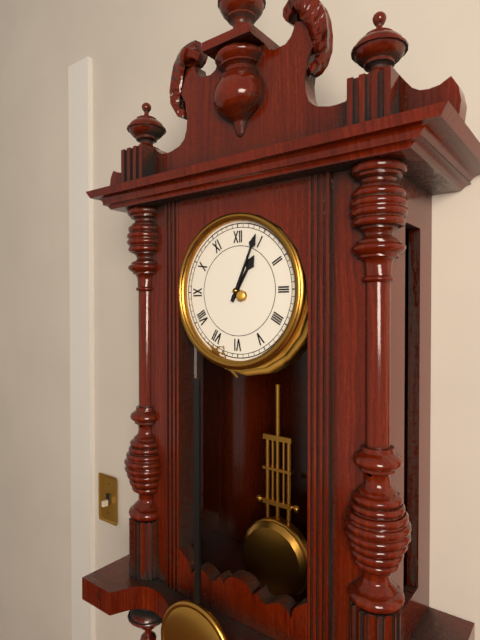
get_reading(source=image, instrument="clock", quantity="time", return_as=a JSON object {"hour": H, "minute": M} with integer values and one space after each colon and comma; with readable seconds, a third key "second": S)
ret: {"hour": 1, "minute": 4}
